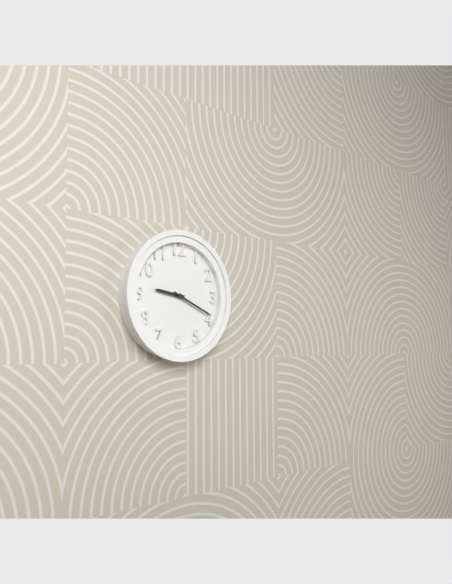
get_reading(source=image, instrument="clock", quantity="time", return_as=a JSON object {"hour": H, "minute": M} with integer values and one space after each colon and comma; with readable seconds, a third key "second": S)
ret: {"hour": 9, "minute": 19}
